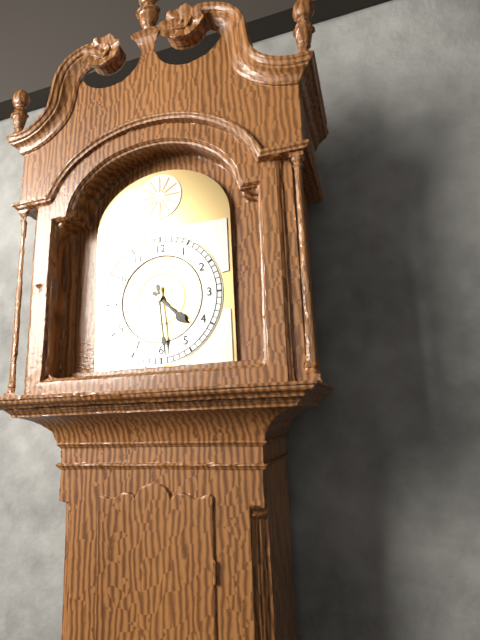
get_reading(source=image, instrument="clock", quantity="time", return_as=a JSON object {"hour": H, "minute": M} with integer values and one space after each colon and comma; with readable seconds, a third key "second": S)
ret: {"hour": 4, "minute": 29}
